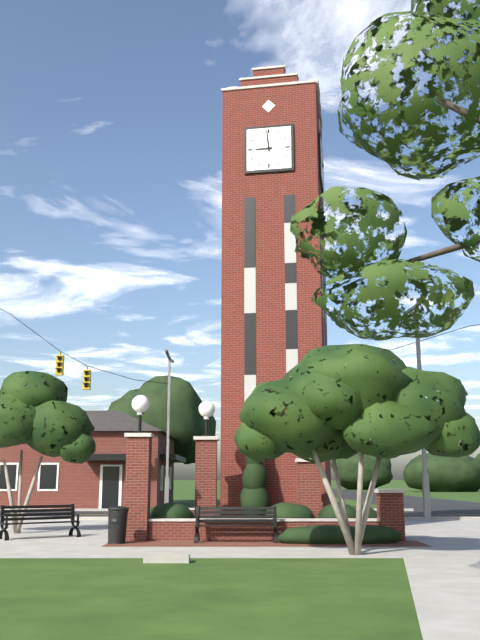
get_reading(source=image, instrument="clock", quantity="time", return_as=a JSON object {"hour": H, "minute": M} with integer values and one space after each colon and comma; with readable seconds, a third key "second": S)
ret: {"hour": 8, "minute": 59}
